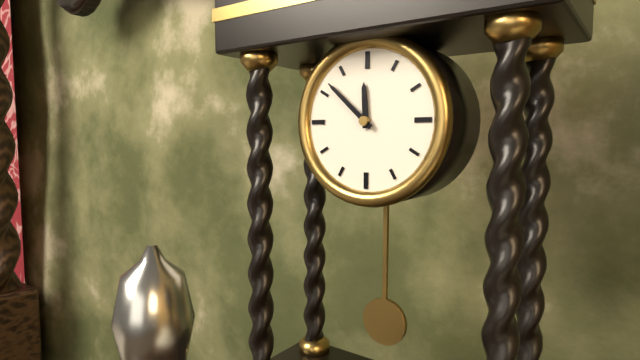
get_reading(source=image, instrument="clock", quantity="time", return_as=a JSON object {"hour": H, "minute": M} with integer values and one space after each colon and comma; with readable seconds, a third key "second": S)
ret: {"hour": 11, "minute": 52}
